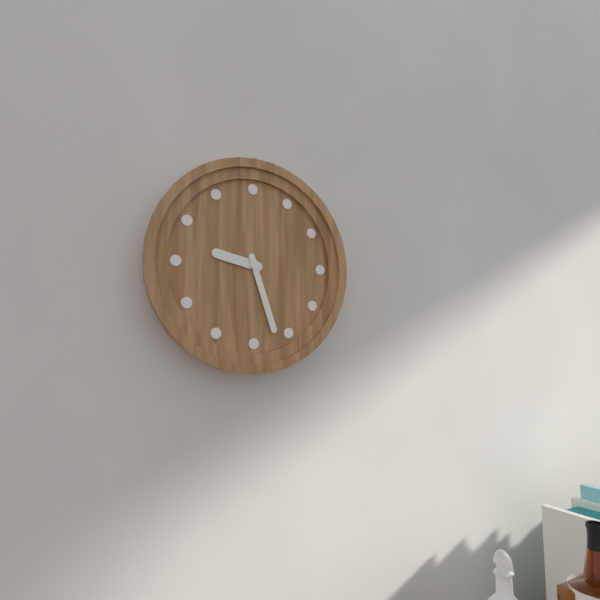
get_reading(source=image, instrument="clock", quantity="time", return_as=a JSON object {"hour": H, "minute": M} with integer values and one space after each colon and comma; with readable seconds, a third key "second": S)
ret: {"hour": 9, "minute": 27}
